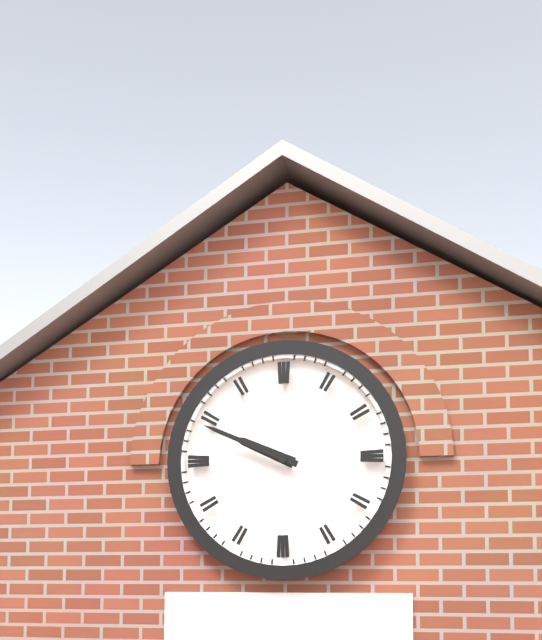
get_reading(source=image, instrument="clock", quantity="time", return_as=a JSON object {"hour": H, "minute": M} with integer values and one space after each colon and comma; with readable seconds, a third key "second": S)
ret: {"hour": 9, "minute": 49}
